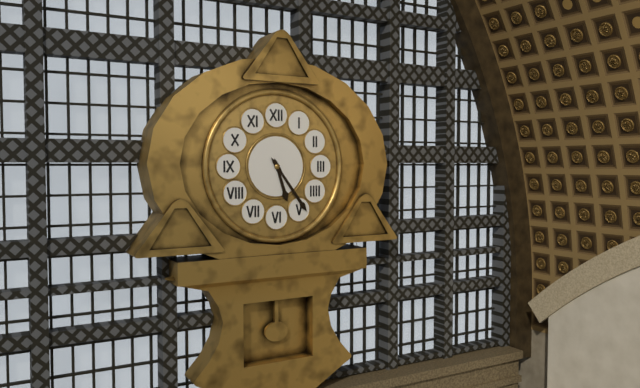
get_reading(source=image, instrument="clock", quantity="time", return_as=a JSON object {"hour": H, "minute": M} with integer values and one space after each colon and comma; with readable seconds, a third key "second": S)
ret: {"hour": 5, "minute": 24}
